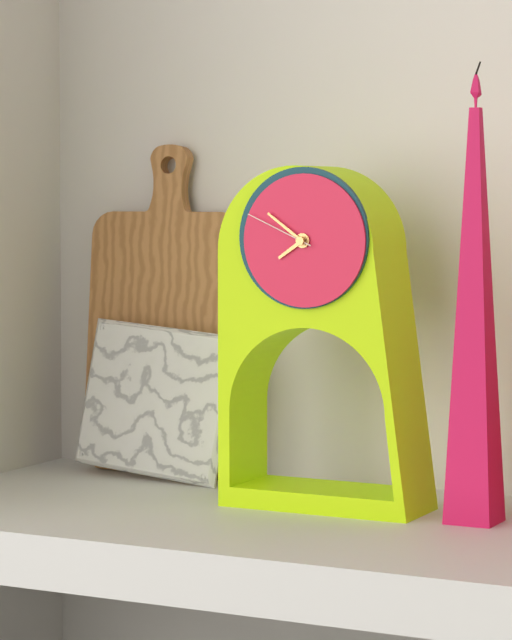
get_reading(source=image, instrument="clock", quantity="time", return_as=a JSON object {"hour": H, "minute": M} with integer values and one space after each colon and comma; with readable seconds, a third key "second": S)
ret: {"hour": 7, "minute": 51, "second": 49}
